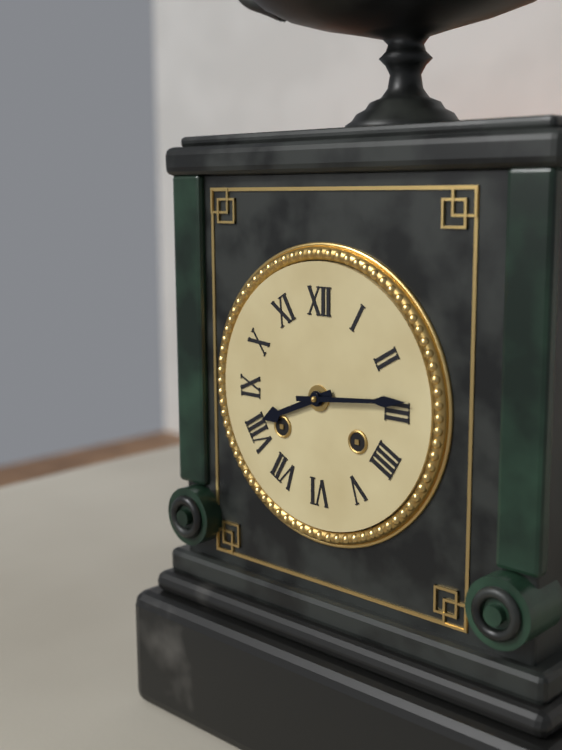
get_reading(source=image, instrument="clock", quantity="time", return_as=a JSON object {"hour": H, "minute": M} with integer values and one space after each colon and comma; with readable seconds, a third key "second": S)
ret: {"hour": 8, "minute": 14}
